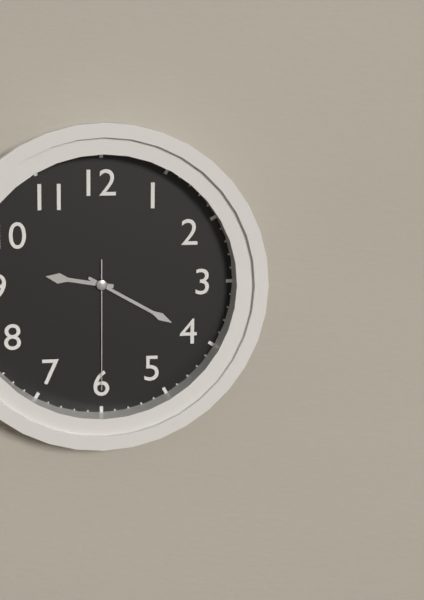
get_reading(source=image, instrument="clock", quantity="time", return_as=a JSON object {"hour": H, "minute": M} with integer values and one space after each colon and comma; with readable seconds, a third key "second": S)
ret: {"hour": 9, "minute": 20, "second": 30}
